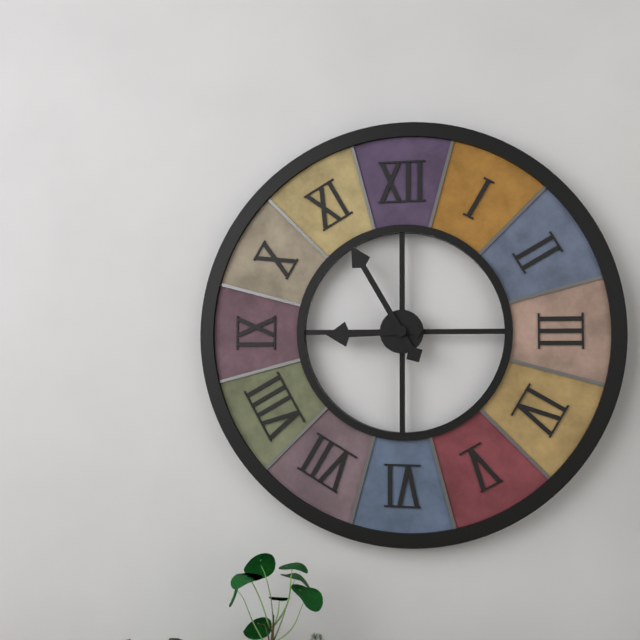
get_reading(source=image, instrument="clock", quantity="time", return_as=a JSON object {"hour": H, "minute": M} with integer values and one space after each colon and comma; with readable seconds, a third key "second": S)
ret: {"hour": 8, "minute": 55}
